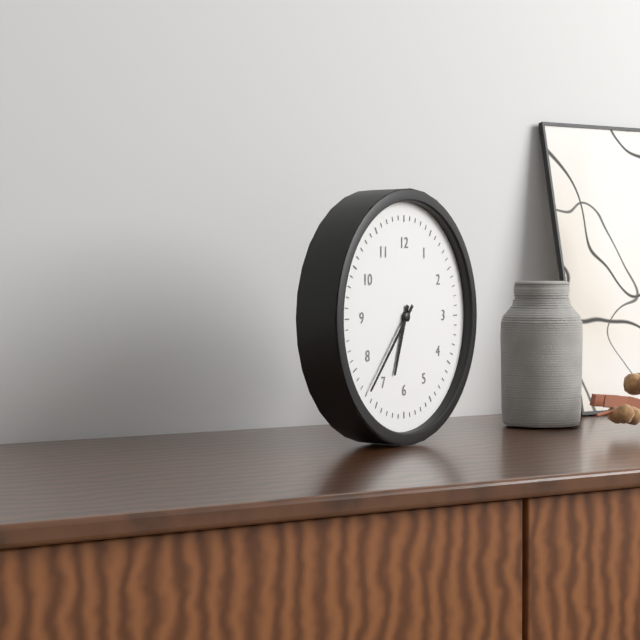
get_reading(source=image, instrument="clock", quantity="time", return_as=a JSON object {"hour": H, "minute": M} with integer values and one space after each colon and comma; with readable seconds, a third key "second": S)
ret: {"hour": 6, "minute": 37}
